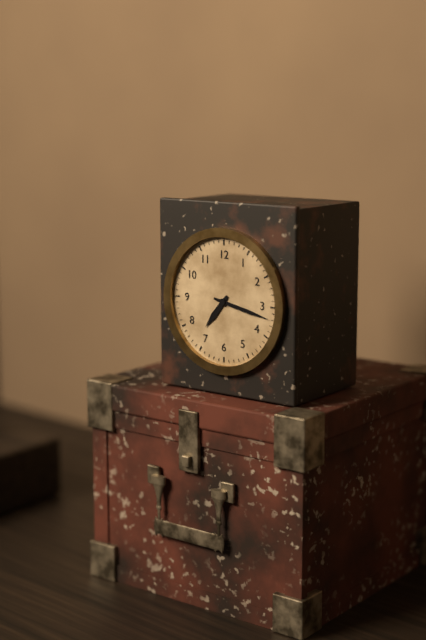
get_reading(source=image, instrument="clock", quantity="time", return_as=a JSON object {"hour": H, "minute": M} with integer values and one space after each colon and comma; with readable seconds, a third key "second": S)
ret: {"hour": 7, "minute": 17}
